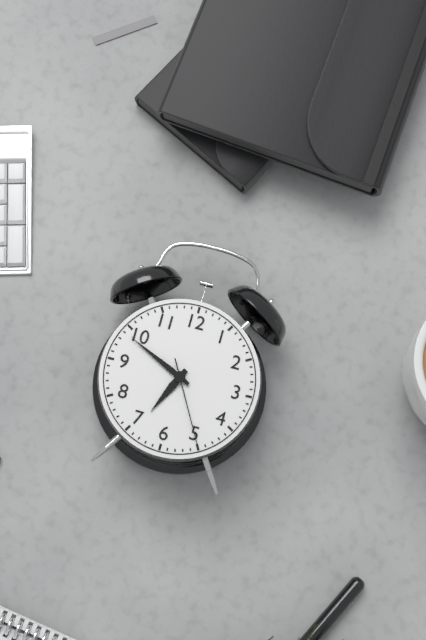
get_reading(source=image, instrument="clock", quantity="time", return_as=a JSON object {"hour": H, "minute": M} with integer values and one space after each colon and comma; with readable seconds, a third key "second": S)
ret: {"hour": 6, "minute": 49, "second": 25}
